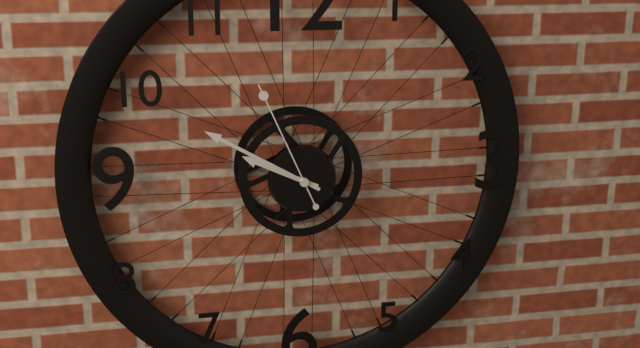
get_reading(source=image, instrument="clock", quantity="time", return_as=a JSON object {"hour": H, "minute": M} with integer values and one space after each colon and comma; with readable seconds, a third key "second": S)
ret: {"hour": 9, "minute": 50, "second": 56}
